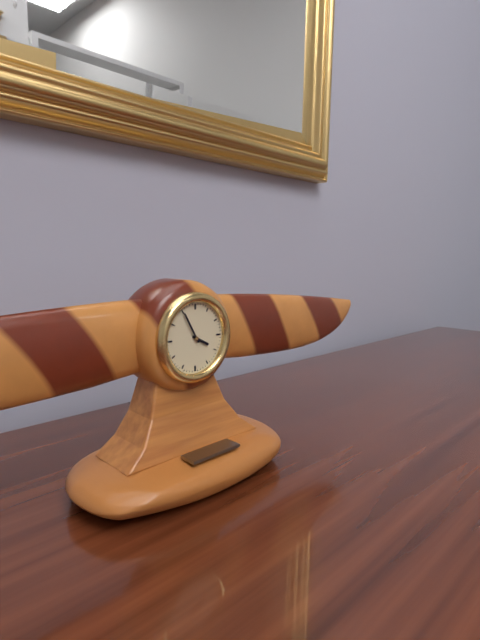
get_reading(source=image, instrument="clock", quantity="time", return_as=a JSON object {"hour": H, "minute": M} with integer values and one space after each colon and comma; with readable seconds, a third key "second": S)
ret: {"hour": 3, "minute": 55}
